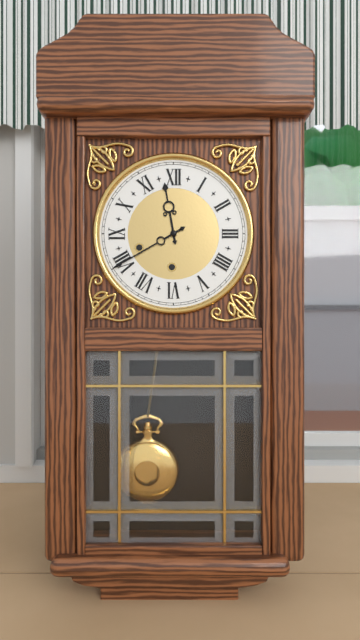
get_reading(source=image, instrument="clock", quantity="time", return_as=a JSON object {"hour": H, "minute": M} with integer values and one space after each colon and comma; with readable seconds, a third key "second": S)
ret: {"hour": 11, "minute": 40}
